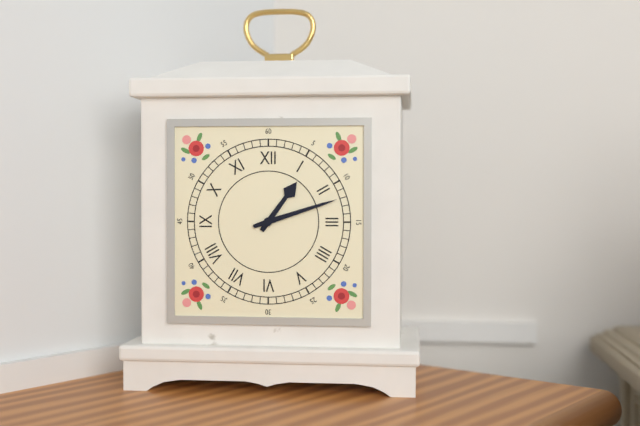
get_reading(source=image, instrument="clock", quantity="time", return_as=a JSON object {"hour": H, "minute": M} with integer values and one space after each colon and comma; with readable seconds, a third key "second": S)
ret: {"hour": 1, "minute": 12}
